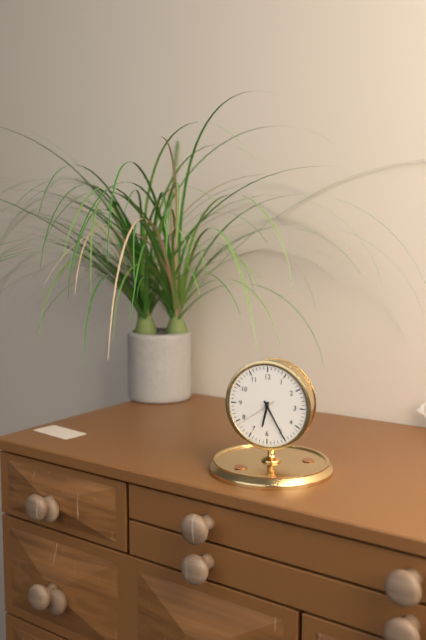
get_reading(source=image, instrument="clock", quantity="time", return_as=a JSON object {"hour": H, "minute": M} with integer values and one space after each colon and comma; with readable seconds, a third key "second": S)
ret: {"hour": 6, "minute": 25}
